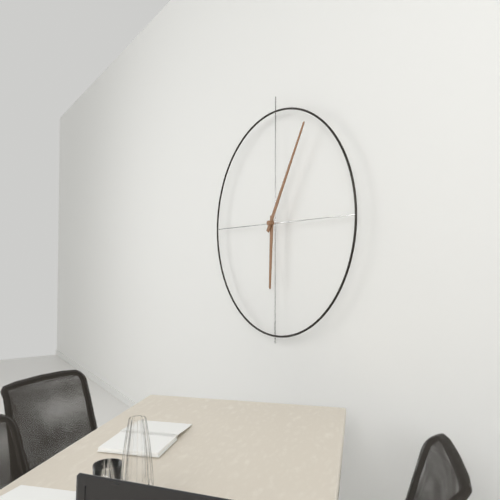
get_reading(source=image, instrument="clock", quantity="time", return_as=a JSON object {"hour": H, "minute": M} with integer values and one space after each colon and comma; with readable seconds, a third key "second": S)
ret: {"hour": 6, "minute": 5}
